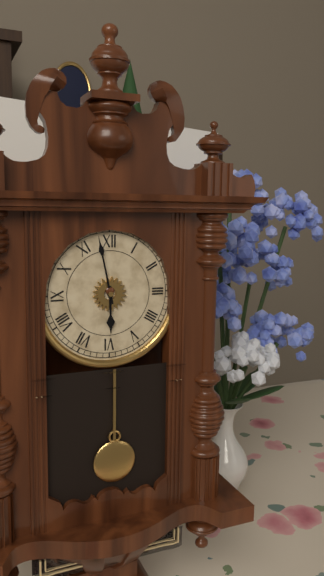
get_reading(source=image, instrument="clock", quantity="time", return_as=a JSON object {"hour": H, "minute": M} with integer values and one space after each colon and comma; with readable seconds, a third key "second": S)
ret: {"hour": 5, "minute": 58}
